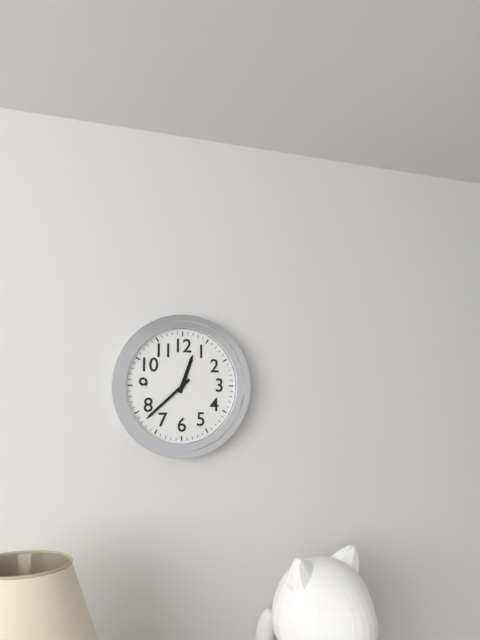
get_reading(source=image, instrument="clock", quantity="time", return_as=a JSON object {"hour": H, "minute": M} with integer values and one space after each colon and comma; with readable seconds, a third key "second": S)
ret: {"hour": 12, "minute": 38}
